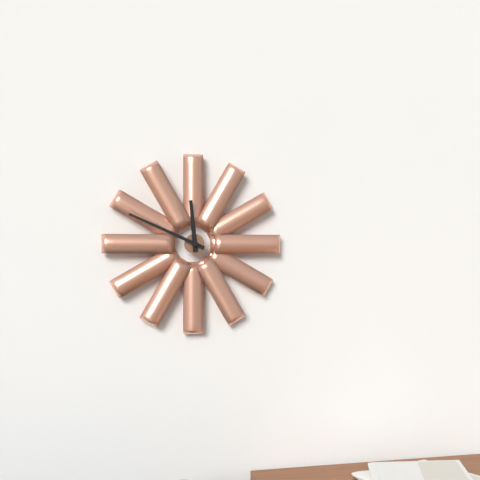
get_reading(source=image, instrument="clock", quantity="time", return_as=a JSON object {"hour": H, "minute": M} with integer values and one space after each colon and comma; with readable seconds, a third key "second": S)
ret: {"hour": 11, "minute": 49}
